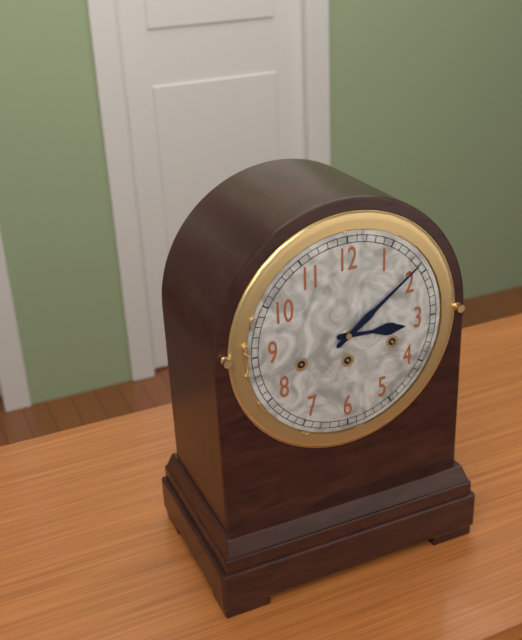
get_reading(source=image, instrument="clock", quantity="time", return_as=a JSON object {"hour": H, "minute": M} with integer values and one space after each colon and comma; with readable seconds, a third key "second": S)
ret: {"hour": 3, "minute": 9}
